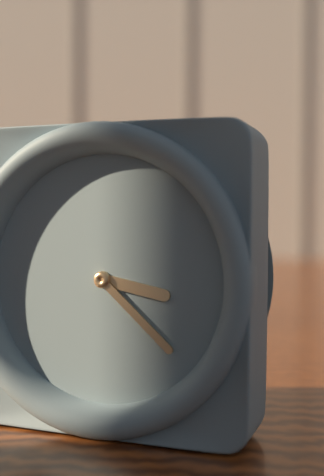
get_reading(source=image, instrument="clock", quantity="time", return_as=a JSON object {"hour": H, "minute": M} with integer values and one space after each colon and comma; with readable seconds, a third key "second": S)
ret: {"hour": 3, "minute": 22}
